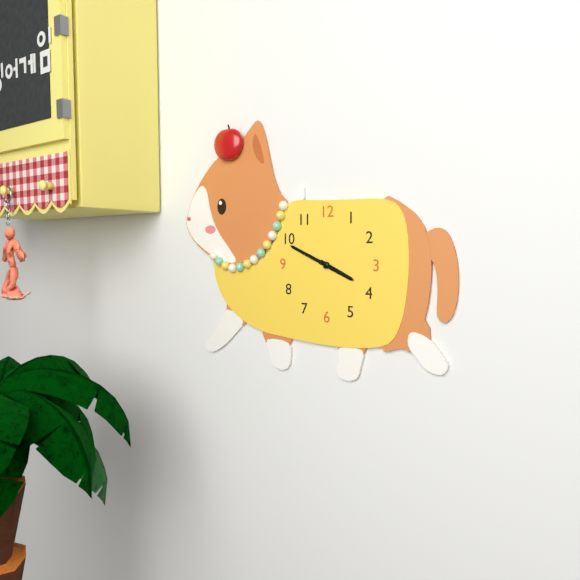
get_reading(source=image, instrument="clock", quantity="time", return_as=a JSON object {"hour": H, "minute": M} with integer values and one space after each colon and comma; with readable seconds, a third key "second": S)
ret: {"hour": 3, "minute": 49}
